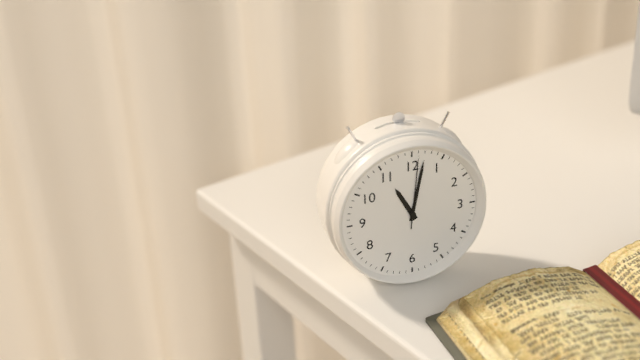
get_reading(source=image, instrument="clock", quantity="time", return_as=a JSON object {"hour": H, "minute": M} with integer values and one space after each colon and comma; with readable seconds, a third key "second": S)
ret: {"hour": 11, "minute": 2, "second": 1}
